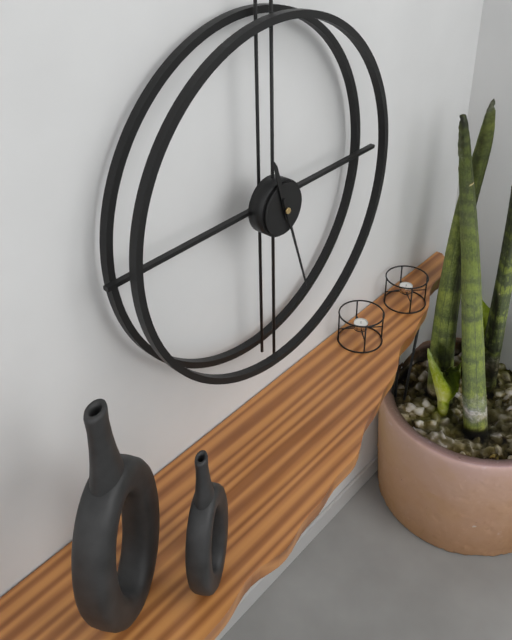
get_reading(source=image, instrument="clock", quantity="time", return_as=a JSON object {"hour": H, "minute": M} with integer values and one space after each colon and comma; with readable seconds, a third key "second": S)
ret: {"hour": 11, "minute": 27}
